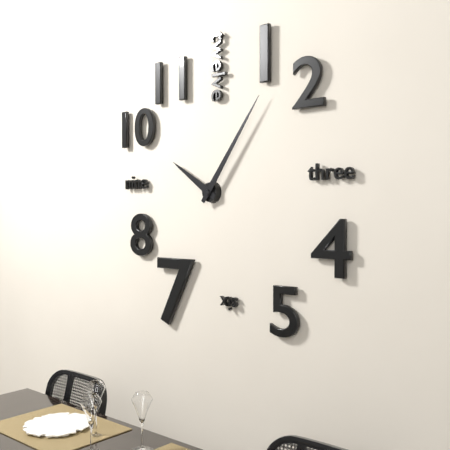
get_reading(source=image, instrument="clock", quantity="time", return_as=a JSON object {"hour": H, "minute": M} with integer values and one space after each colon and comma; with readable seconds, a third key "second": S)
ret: {"hour": 10, "minute": 6}
